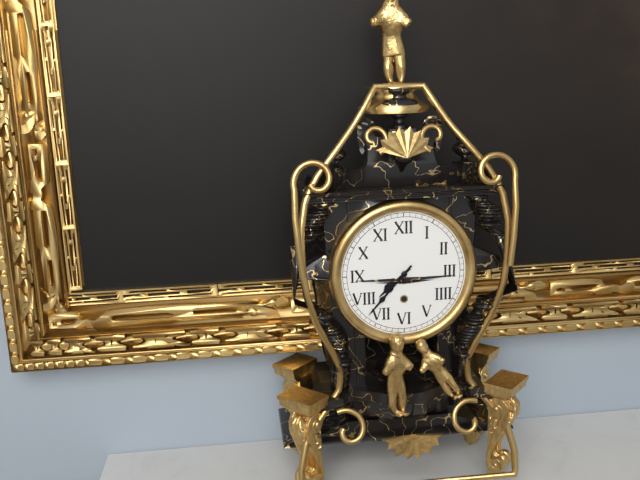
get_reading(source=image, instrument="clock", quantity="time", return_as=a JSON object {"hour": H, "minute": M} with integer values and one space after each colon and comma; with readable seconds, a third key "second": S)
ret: {"hour": 7, "minute": 37}
